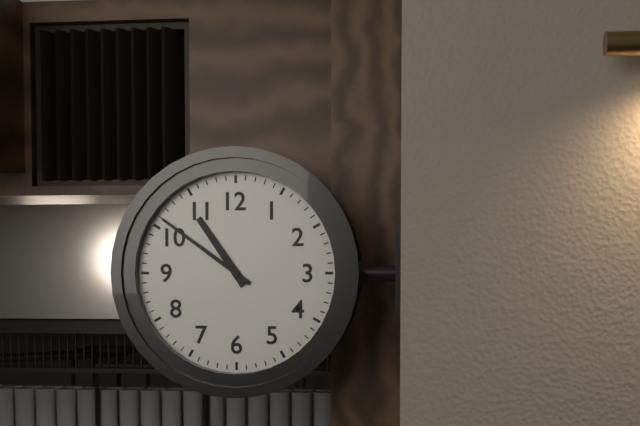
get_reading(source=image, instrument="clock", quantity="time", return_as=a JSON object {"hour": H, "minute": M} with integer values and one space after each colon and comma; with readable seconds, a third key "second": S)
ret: {"hour": 10, "minute": 51}
